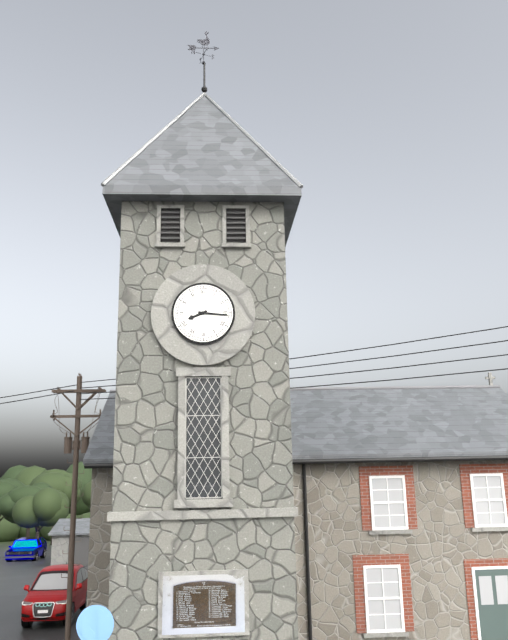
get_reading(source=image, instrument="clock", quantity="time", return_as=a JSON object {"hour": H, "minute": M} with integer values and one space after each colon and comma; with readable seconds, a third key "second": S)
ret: {"hour": 8, "minute": 16}
